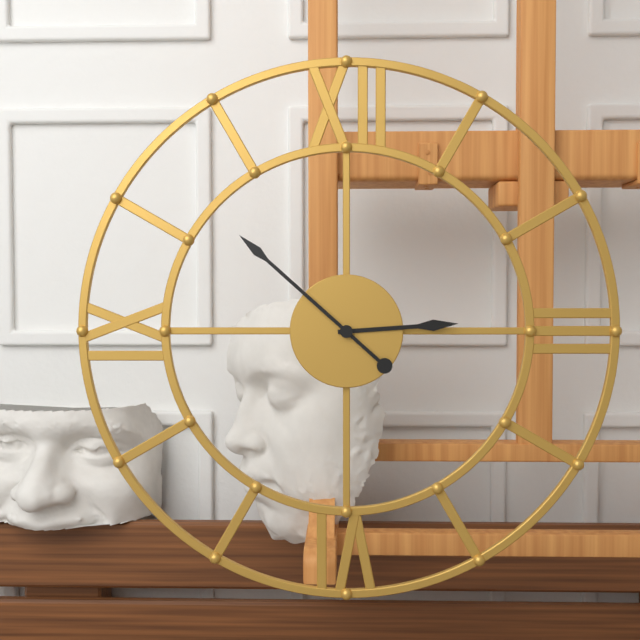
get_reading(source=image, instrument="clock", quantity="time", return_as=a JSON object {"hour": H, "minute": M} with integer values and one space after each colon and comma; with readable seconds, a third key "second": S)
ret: {"hour": 2, "minute": 52}
